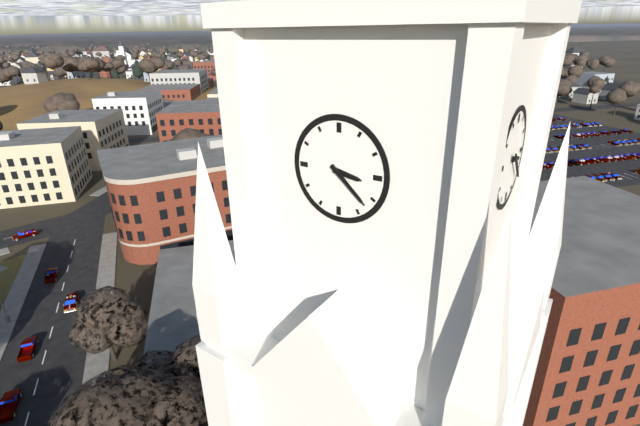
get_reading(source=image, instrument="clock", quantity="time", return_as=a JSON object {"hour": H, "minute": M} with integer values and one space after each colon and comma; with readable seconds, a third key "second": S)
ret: {"hour": 3, "minute": 22}
